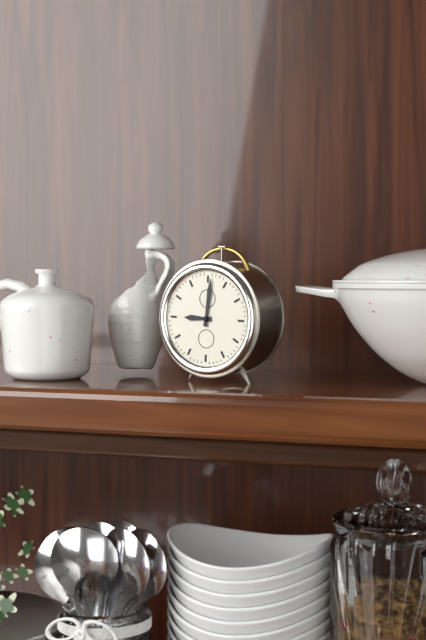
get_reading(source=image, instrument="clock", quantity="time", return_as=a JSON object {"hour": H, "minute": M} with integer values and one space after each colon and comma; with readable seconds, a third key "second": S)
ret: {"hour": 9, "minute": 1}
